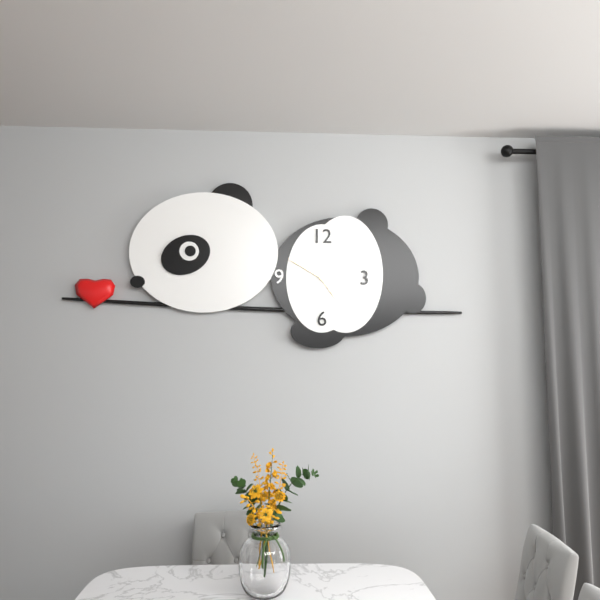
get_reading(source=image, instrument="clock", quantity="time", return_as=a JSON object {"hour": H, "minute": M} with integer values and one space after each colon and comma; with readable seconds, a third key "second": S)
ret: {"hour": 4, "minute": 50}
